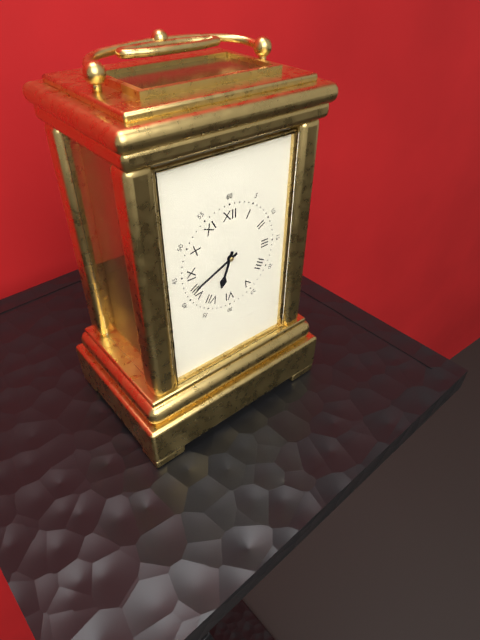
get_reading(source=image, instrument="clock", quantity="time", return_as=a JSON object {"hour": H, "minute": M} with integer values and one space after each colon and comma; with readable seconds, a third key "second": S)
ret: {"hour": 6, "minute": 41}
